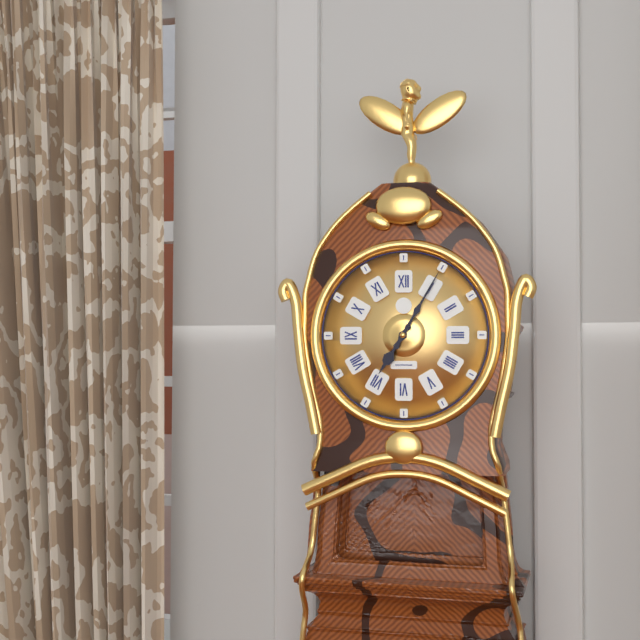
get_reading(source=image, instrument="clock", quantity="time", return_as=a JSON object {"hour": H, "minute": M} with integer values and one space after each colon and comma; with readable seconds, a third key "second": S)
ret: {"hour": 7, "minute": 5}
